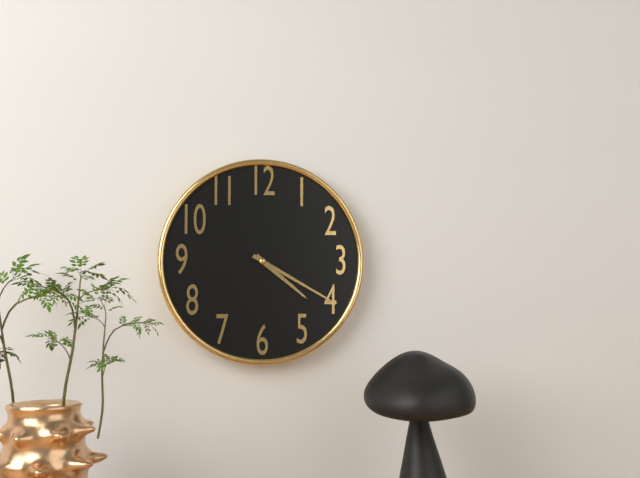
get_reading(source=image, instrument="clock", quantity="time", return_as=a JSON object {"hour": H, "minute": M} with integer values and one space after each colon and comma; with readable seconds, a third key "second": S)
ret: {"hour": 4, "minute": 20}
